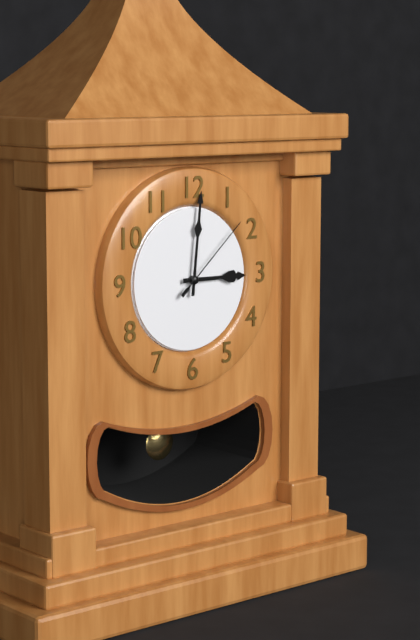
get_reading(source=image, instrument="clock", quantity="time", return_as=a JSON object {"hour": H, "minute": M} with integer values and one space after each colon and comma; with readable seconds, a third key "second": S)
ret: {"hour": 3, "minute": 1, "second": 8}
